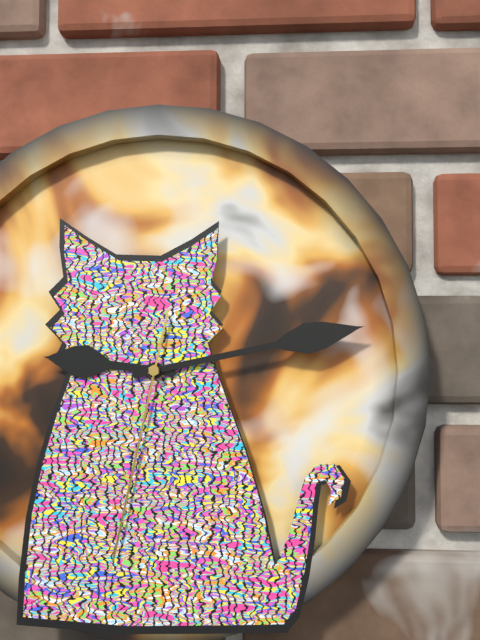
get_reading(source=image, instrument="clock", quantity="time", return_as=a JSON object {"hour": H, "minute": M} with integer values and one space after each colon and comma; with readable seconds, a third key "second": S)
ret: {"hour": 9, "minute": 13, "second": 32}
